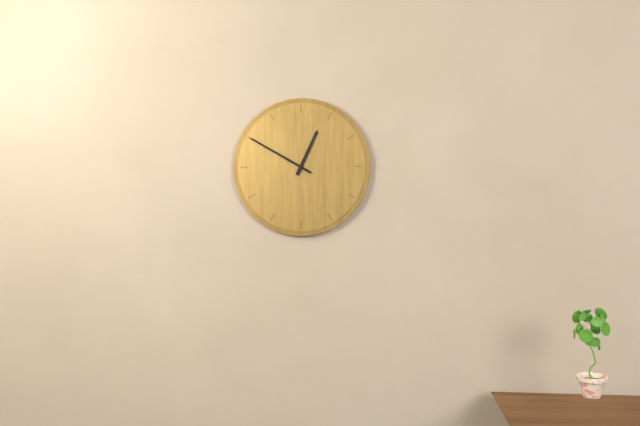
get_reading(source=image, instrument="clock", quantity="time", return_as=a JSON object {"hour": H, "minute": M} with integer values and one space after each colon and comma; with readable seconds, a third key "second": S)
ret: {"hour": 12, "minute": 50}
